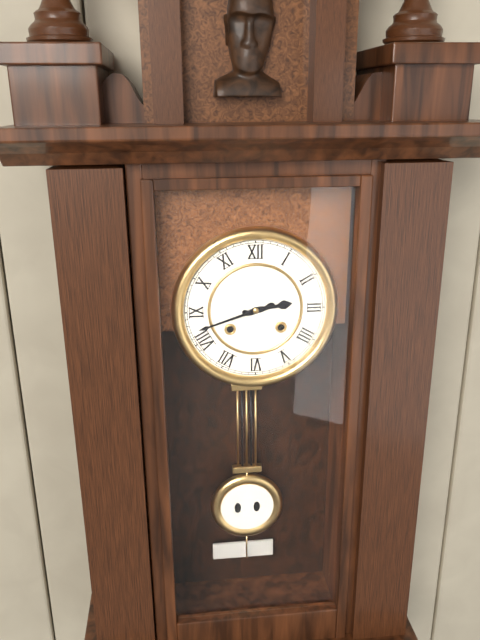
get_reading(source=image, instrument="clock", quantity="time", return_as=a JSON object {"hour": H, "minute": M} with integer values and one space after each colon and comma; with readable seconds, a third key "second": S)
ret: {"hour": 2, "minute": 42}
